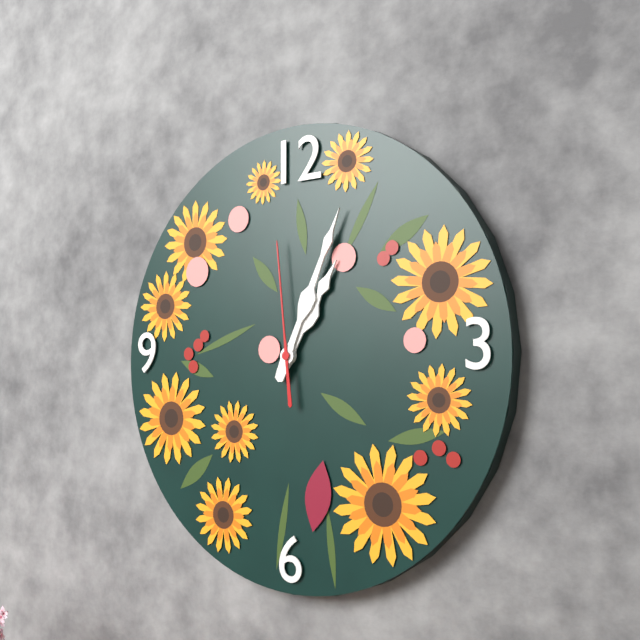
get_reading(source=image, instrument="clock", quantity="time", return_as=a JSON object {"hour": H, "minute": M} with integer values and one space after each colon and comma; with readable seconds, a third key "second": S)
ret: {"hour": 1, "minute": 4, "second": 59}
